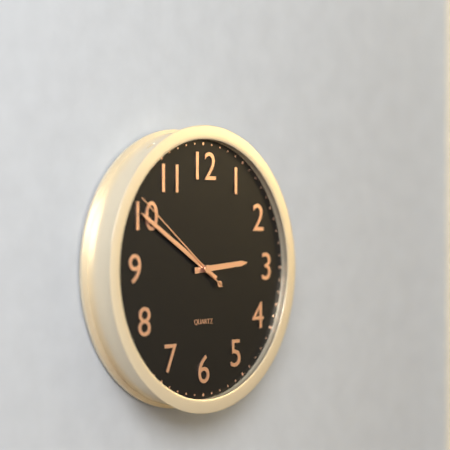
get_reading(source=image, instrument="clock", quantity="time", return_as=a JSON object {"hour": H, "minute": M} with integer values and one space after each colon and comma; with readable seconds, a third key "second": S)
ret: {"hour": 2, "minute": 50, "second": 51}
